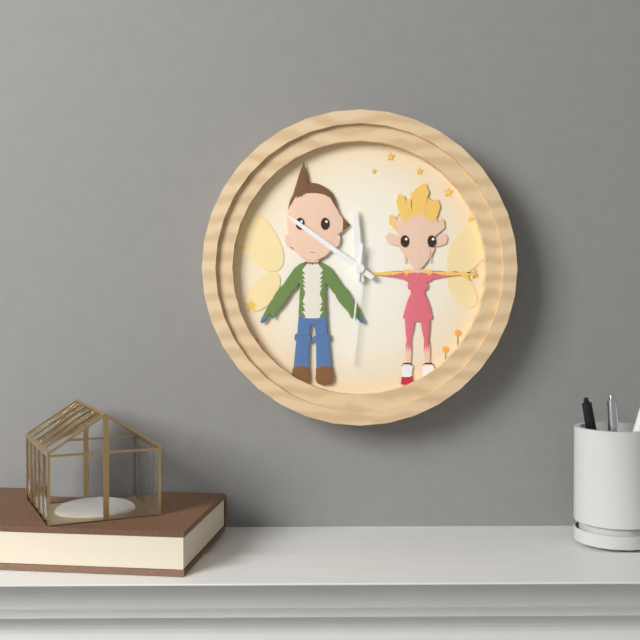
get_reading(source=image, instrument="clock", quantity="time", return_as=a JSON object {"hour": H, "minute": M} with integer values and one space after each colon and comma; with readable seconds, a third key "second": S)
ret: {"hour": 11, "minute": 51, "second": 31}
